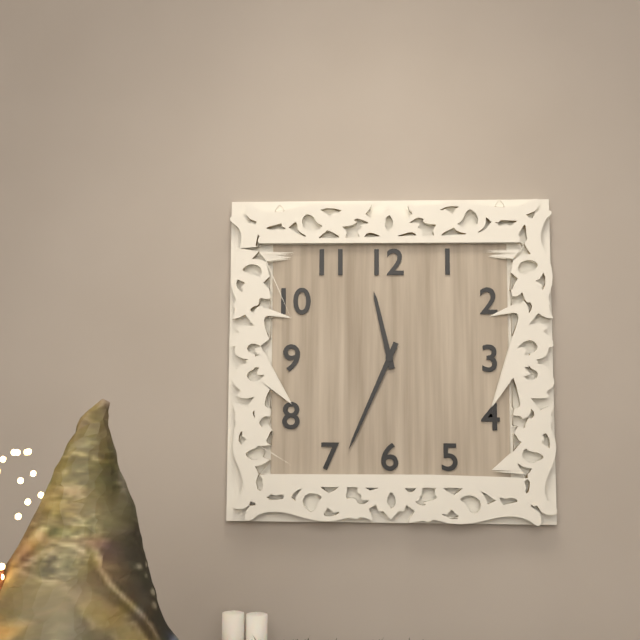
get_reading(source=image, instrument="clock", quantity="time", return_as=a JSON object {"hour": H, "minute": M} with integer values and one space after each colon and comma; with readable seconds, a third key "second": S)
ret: {"hour": 11, "minute": 34}
